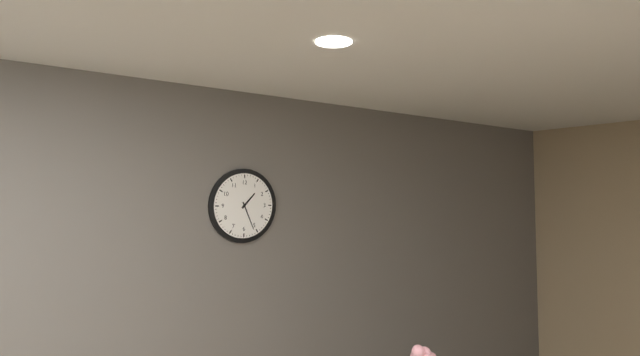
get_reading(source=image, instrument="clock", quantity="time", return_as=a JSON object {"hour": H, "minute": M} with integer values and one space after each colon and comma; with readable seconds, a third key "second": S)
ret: {"hour": 1, "minute": 26}
